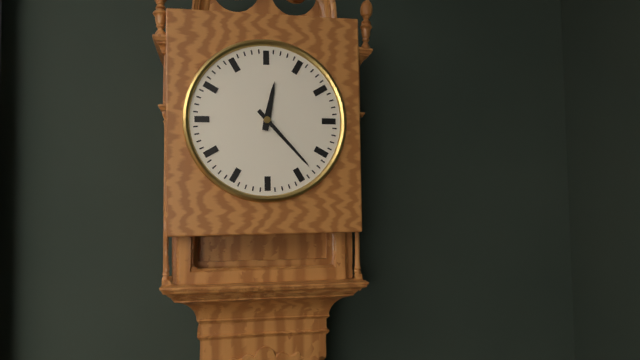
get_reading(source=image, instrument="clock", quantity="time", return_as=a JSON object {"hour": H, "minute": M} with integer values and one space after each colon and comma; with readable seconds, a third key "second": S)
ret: {"hour": 12, "minute": 23}
